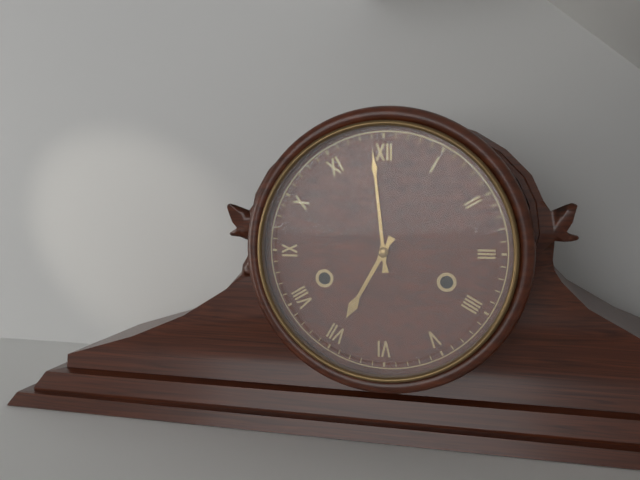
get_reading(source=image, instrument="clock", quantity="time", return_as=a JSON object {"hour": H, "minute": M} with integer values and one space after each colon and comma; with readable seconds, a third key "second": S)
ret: {"hour": 6, "minute": 59}
